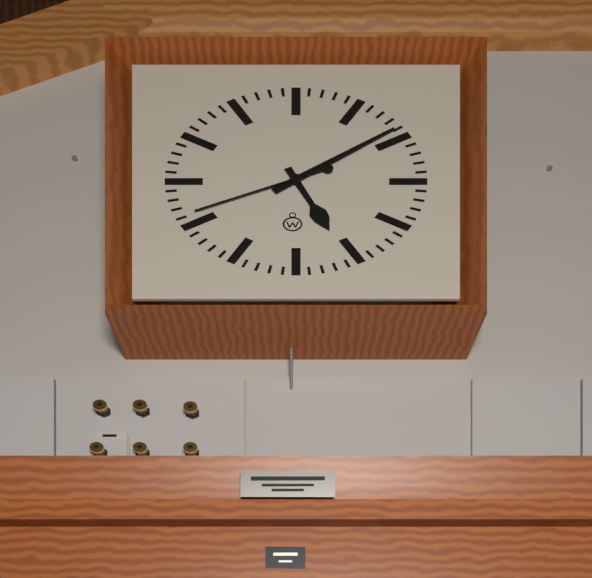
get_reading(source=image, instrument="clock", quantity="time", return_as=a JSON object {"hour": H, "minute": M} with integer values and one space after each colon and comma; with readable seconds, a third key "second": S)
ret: {"hour": 5, "minute": 9, "second": 41}
